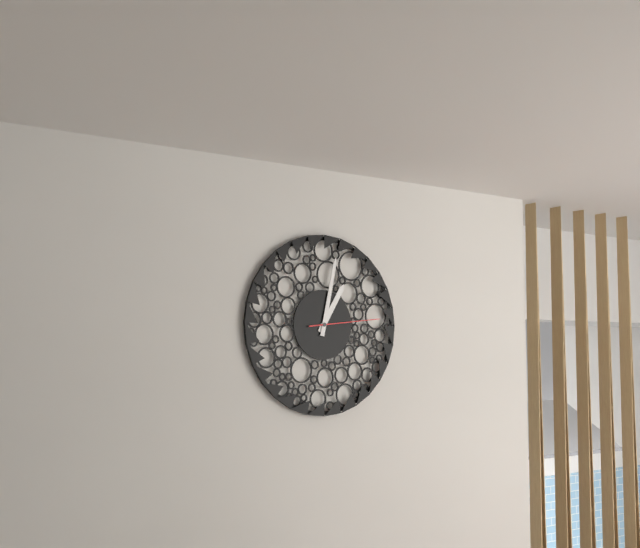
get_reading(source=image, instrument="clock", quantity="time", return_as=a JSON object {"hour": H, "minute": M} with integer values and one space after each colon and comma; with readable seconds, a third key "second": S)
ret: {"hour": 1, "minute": 2, "second": 14}
